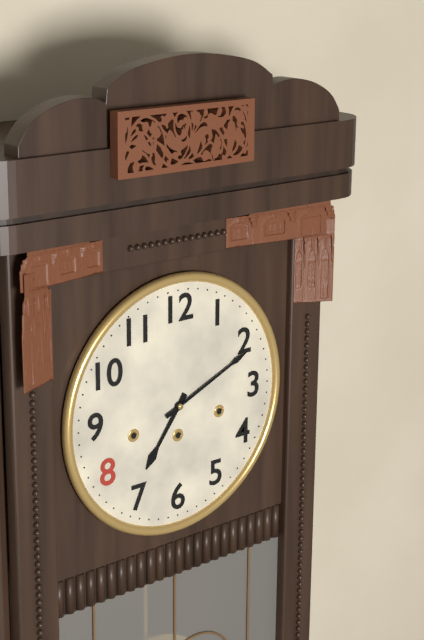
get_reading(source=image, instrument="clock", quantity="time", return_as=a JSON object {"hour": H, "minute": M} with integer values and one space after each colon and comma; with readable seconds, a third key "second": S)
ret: {"hour": 7, "minute": 11}
